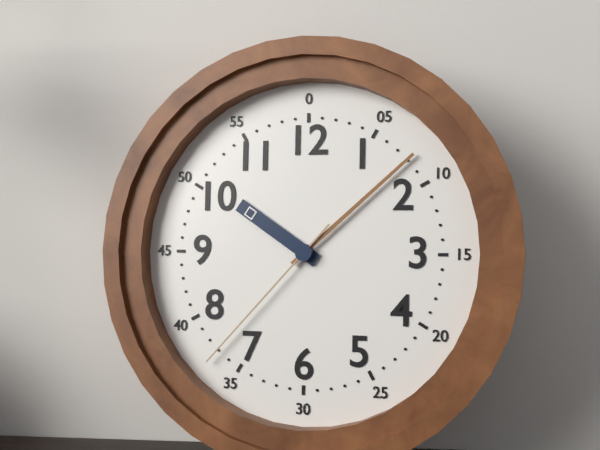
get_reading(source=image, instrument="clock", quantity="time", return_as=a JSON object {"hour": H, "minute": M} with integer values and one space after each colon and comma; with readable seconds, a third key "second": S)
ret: {"hour": 10, "minute": 8, "second": 37}
